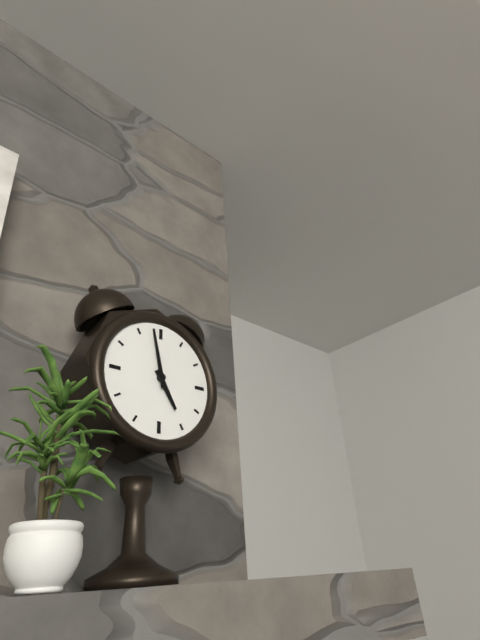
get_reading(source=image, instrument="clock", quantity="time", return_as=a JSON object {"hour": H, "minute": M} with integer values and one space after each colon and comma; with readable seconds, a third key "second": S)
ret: {"hour": 4, "minute": 58}
